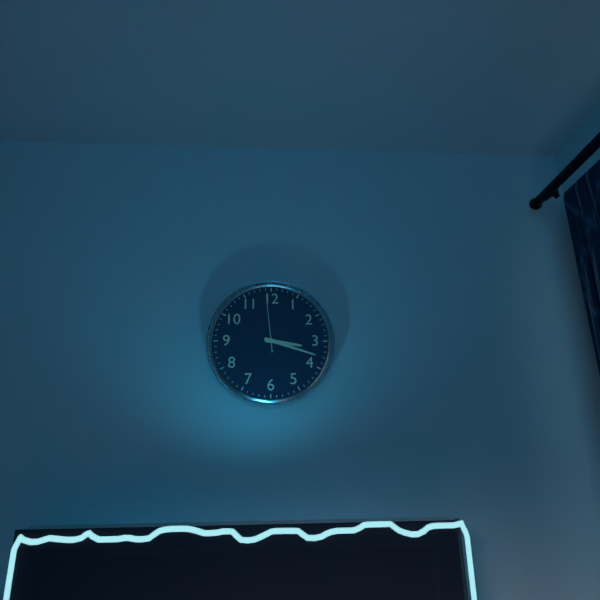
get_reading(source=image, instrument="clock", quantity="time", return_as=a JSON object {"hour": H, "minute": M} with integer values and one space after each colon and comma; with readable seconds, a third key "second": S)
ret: {"hour": 3, "minute": 18, "second": 59}
